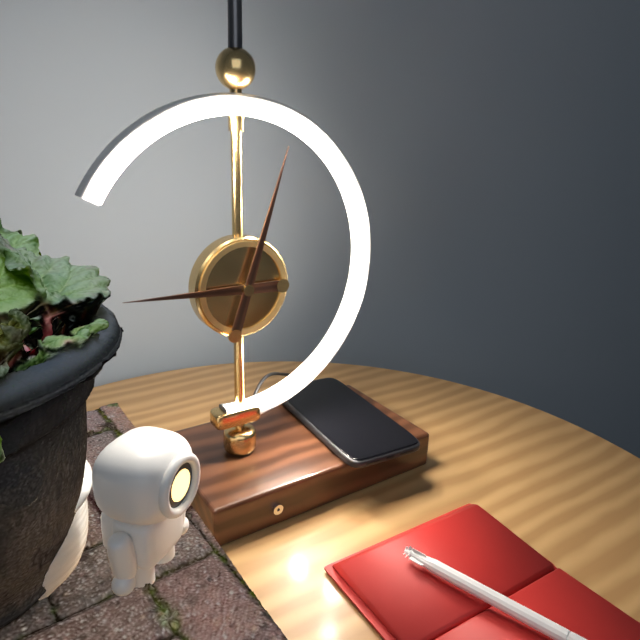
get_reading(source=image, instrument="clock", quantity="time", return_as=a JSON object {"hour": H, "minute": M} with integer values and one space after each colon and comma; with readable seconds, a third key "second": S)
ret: {"hour": 9, "minute": 3}
